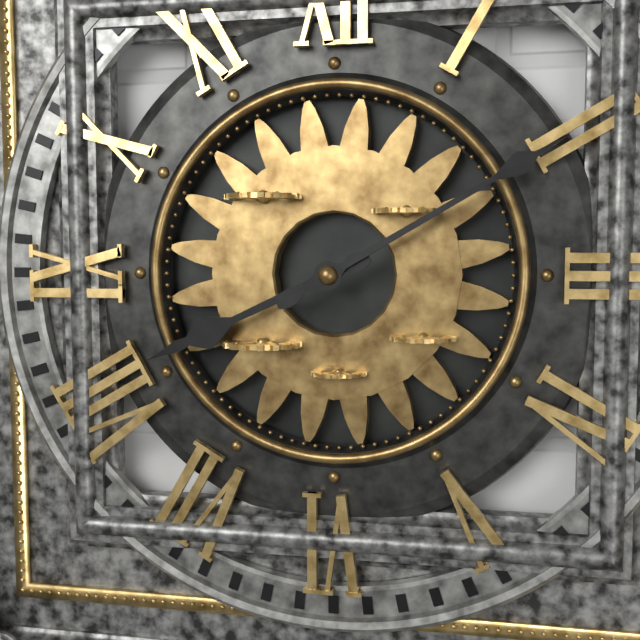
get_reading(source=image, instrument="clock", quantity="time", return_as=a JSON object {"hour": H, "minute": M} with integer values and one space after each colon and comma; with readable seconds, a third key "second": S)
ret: {"hour": 8, "minute": 10}
